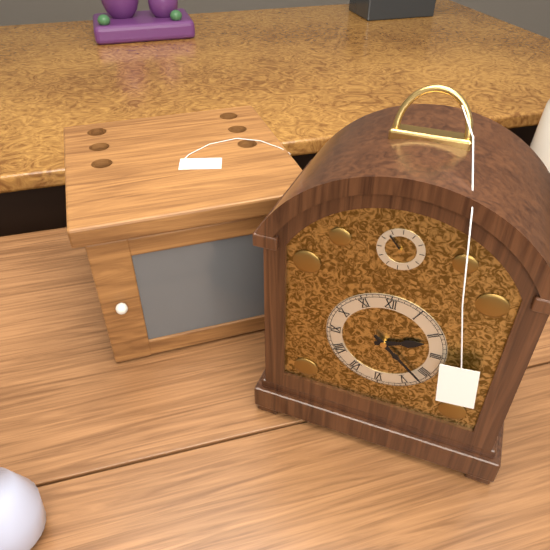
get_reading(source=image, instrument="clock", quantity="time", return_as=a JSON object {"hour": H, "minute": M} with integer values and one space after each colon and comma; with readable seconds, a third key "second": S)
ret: {"hour": 2, "minute": 22}
